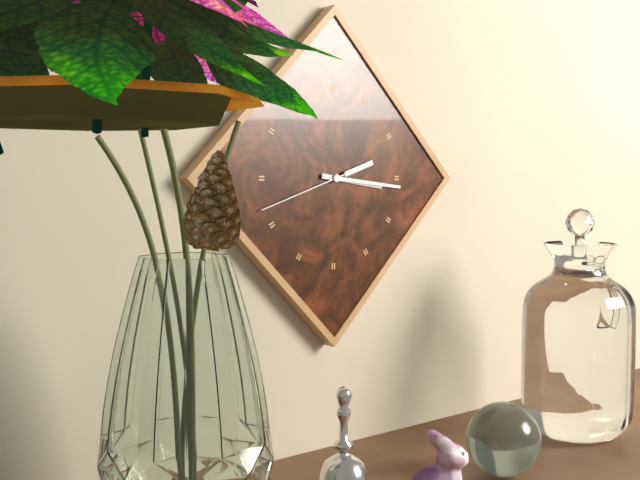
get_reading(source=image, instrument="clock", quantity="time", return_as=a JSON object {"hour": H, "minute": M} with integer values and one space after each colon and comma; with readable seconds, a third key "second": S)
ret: {"hour": 3, "minute": 16, "second": 42}
